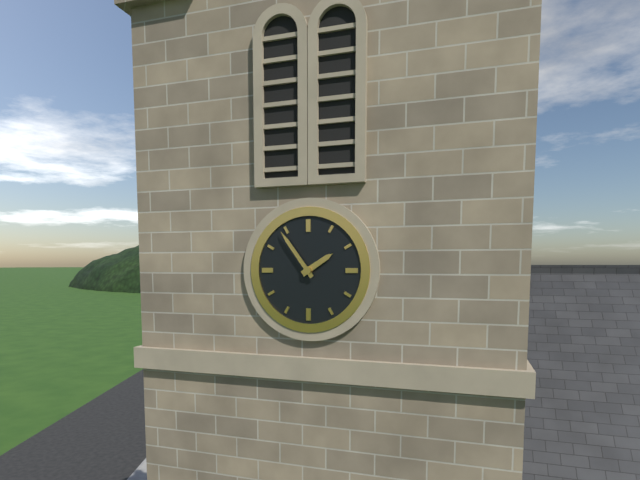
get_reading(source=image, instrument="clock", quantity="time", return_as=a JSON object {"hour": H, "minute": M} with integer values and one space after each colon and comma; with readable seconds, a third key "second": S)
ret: {"hour": 1, "minute": 54}
